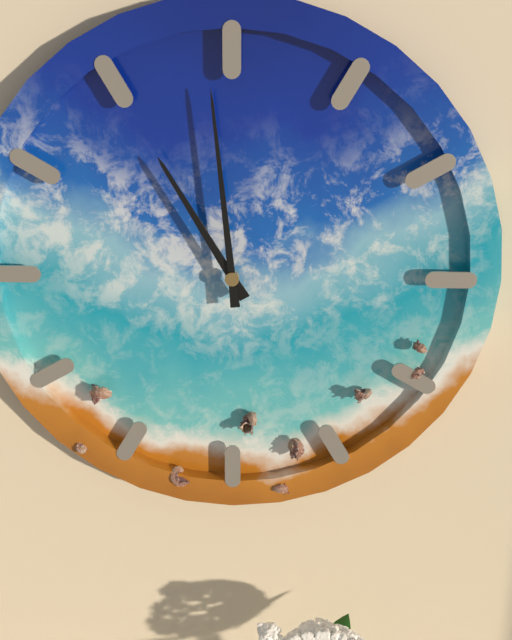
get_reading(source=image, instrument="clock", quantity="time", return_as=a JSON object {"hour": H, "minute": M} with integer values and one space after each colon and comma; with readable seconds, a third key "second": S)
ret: {"hour": 10, "minute": 59}
